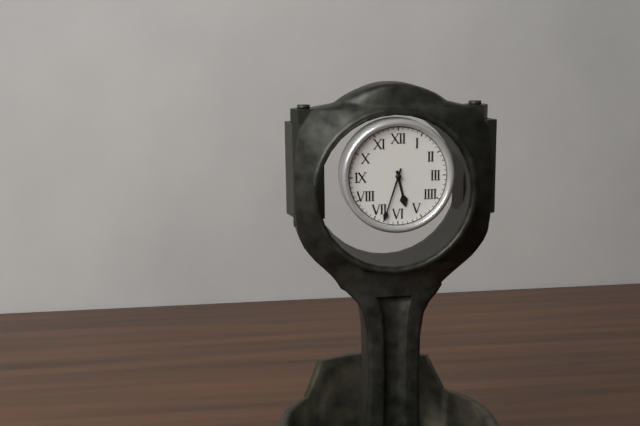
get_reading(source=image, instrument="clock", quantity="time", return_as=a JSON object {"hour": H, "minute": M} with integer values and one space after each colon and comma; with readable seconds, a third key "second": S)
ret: {"hour": 5, "minute": 33}
